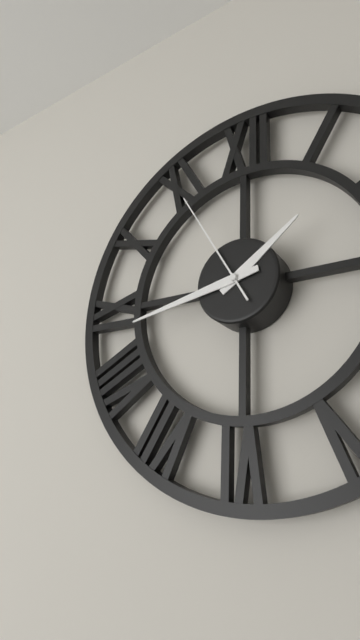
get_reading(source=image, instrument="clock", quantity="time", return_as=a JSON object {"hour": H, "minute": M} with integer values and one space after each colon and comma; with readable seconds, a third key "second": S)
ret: {"hour": 1, "minute": 43, "second": 55}
